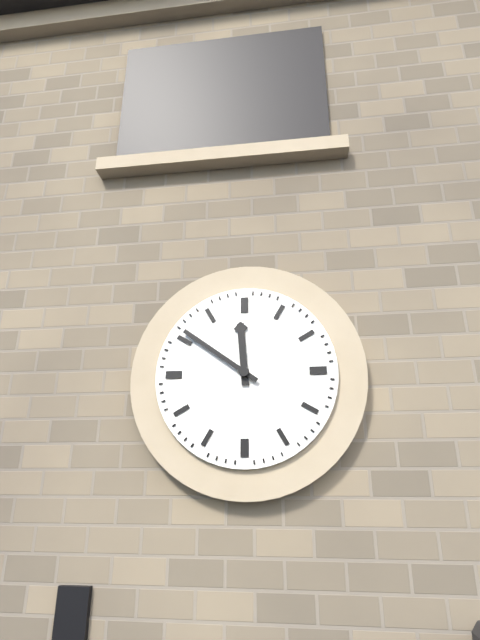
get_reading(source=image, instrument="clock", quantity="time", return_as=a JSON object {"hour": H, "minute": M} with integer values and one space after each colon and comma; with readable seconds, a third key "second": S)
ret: {"hour": 11, "minute": 51}
